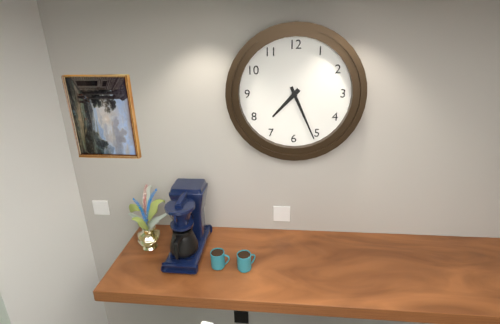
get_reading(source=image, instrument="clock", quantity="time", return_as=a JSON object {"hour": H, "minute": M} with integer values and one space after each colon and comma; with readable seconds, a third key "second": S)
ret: {"hour": 7, "minute": 26}
